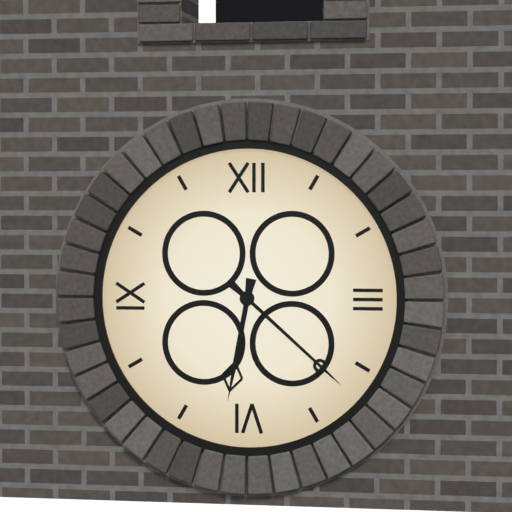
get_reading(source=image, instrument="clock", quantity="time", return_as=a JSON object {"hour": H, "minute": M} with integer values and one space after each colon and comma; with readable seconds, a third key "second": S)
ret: {"hour": 6, "minute": 22}
